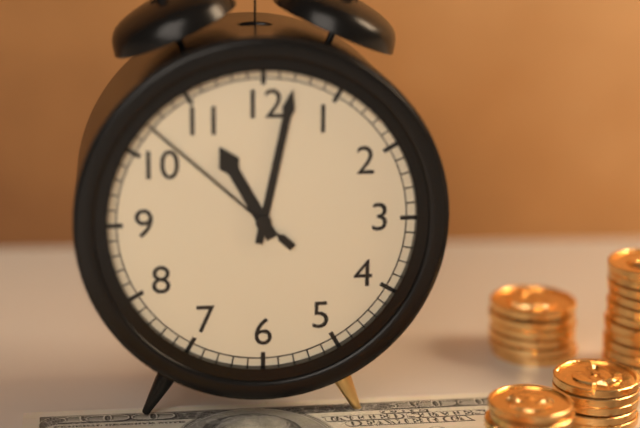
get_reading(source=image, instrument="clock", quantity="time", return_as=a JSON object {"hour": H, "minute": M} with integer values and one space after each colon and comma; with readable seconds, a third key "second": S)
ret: {"hour": 11, "minute": 2, "second": 52}
